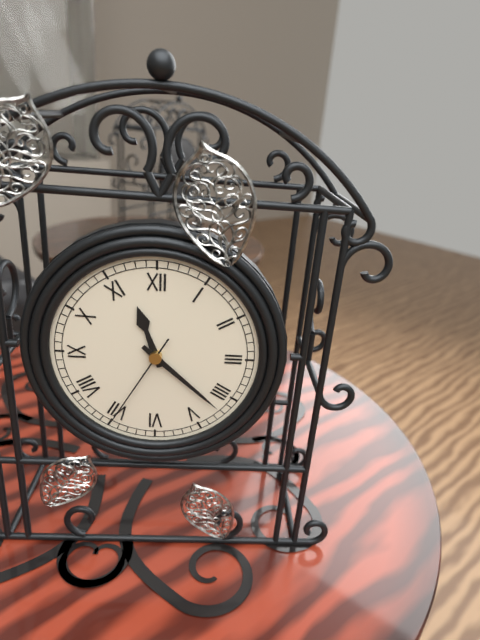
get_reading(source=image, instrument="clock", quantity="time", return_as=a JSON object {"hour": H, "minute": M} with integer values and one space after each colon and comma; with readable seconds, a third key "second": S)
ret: {"hour": 11, "minute": 22, "second": 35}
